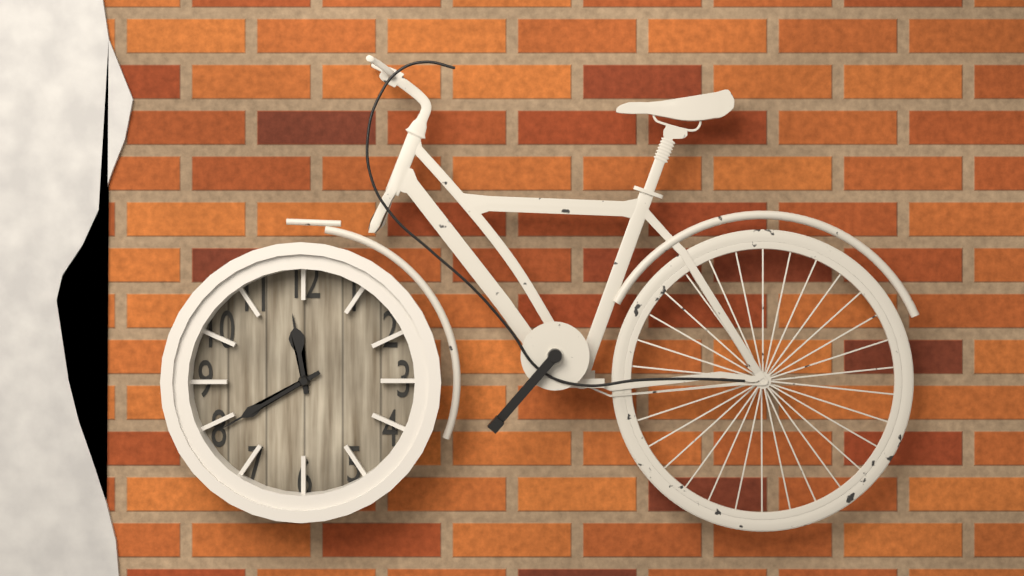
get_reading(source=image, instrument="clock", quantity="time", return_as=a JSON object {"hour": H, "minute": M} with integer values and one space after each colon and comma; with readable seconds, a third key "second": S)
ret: {"hour": 11, "minute": 40}
